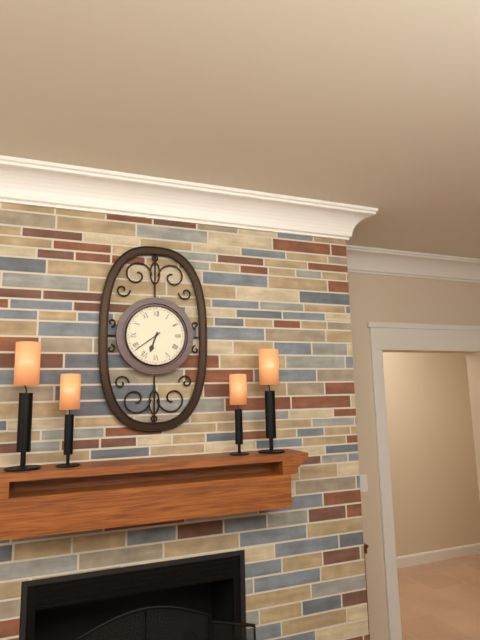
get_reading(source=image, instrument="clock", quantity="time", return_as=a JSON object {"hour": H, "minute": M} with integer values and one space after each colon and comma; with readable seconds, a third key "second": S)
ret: {"hour": 6, "minute": 39}
